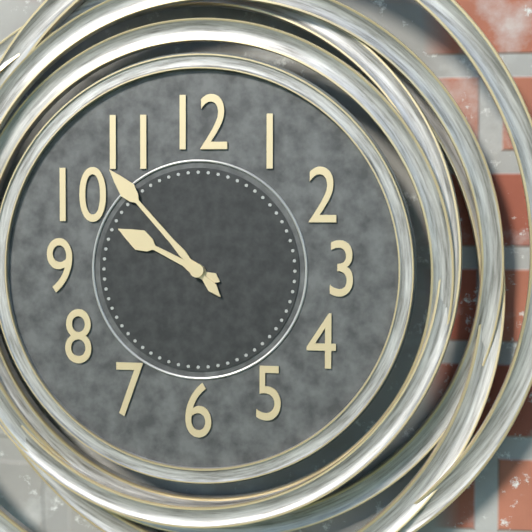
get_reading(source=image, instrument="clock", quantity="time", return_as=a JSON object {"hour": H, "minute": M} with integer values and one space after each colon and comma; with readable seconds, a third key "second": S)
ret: {"hour": 9, "minute": 53}
